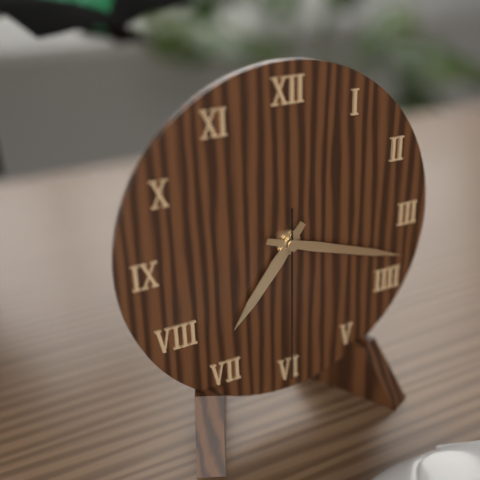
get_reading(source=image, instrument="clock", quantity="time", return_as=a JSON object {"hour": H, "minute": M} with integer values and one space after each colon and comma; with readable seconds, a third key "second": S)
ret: {"hour": 7, "minute": 18, "second": 30}
